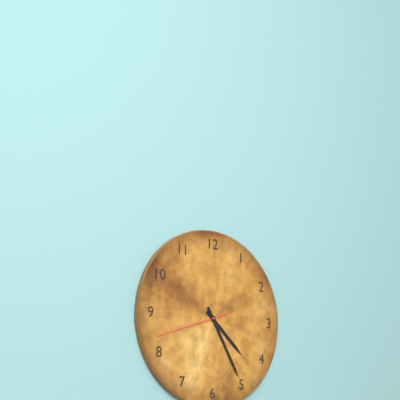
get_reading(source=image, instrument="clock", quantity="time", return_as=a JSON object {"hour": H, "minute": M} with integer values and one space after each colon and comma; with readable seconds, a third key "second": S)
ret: {"hour": 4, "minute": 25, "second": 42}
